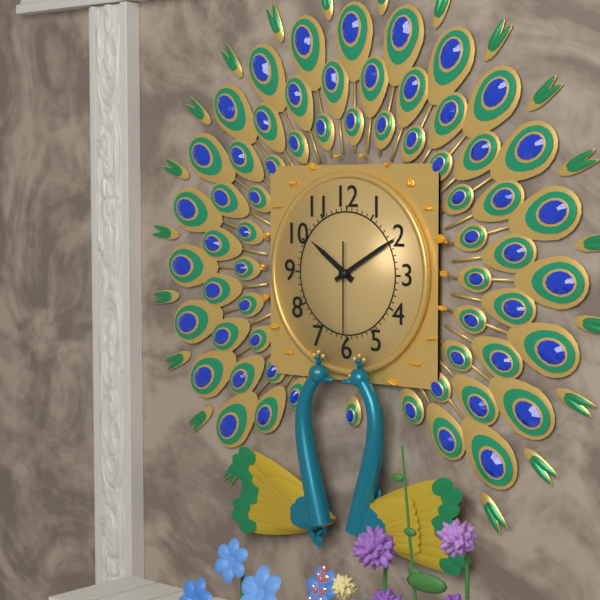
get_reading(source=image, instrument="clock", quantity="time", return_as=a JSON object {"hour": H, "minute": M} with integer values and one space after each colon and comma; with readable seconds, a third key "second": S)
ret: {"hour": 10, "minute": 10, "second": 30}
